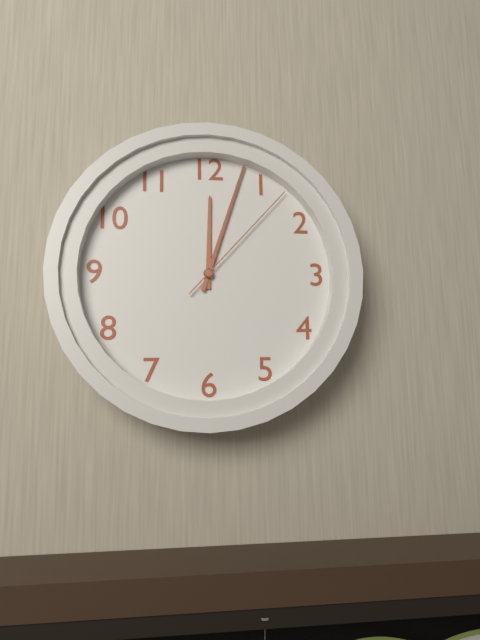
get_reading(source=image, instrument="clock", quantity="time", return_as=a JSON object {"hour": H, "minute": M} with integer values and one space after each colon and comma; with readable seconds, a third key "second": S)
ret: {"hour": 12, "minute": 3, "second": 7}
